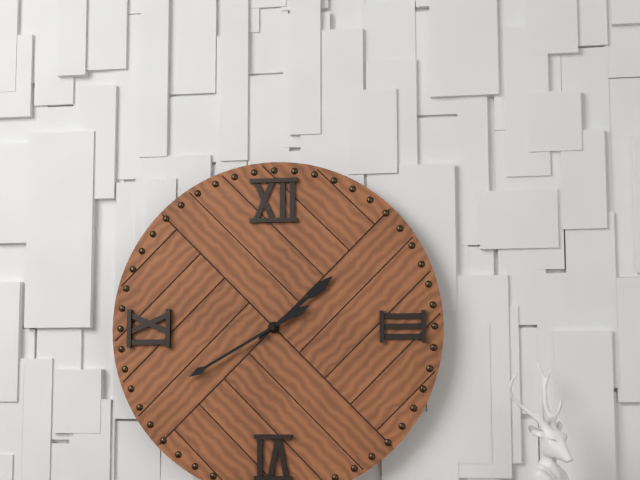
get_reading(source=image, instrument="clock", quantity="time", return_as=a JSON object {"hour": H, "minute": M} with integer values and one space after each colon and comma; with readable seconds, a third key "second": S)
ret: {"hour": 1, "minute": 40}
